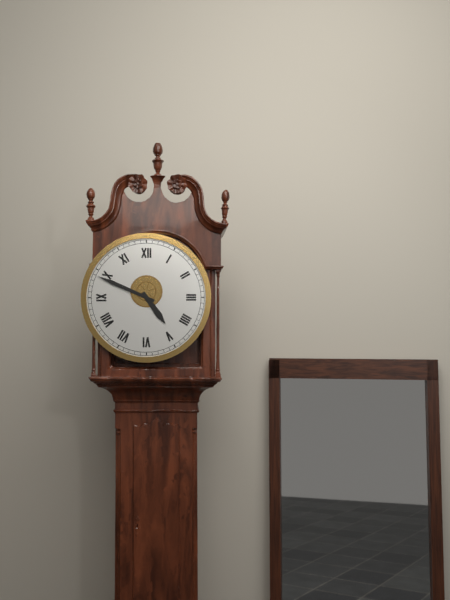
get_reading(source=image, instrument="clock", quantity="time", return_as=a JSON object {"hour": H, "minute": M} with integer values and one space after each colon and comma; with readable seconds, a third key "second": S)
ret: {"hour": 4, "minute": 49}
